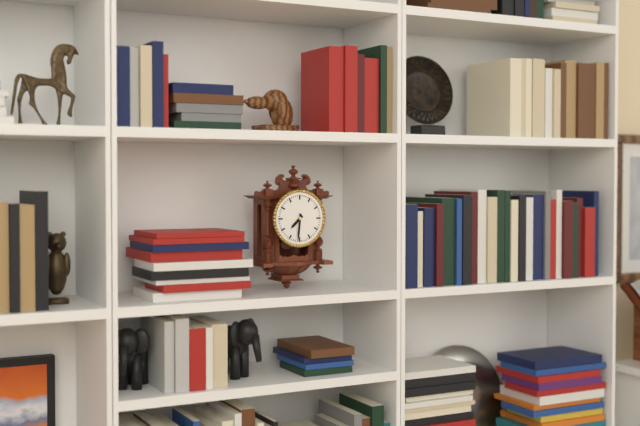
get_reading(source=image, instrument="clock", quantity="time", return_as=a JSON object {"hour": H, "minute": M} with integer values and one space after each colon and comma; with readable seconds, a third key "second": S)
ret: {"hour": 7, "minute": 31}
